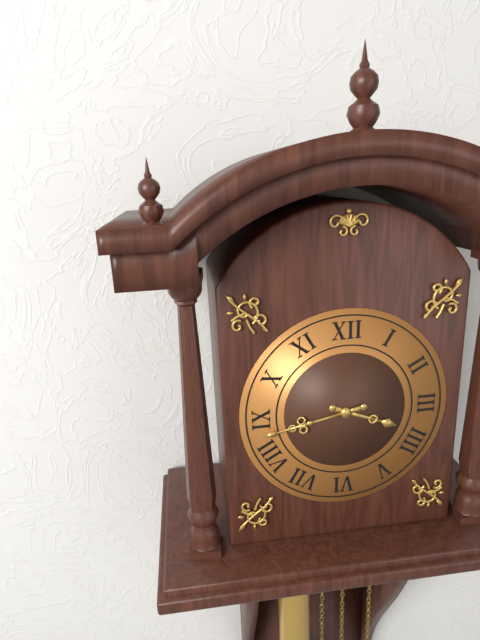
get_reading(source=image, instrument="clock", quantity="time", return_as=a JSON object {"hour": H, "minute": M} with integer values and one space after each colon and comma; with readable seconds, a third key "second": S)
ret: {"hour": 3, "minute": 43}
